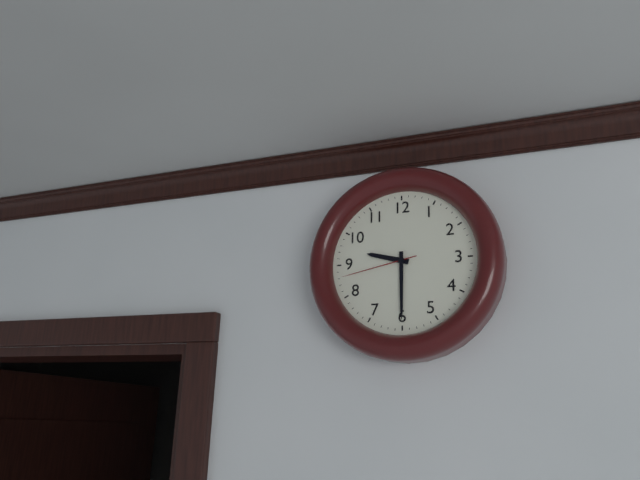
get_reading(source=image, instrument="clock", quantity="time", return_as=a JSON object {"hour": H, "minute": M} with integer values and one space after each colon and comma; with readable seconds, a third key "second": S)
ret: {"hour": 9, "minute": 30, "second": 43}
